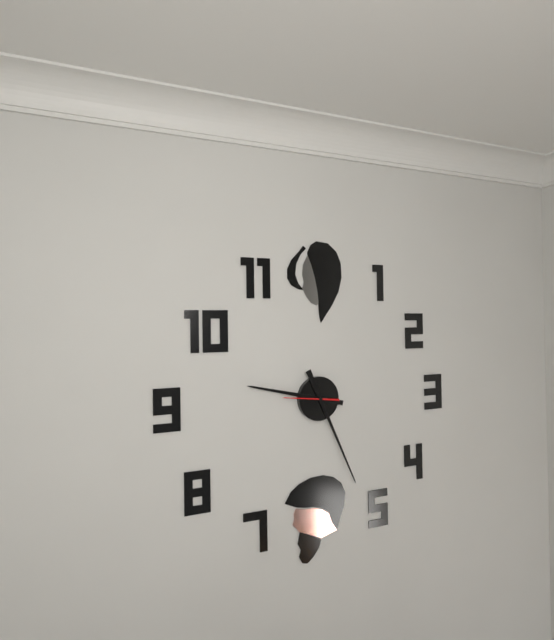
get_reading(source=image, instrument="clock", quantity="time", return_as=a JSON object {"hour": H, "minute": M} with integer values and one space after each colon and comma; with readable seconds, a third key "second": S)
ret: {"hour": 9, "minute": 26}
